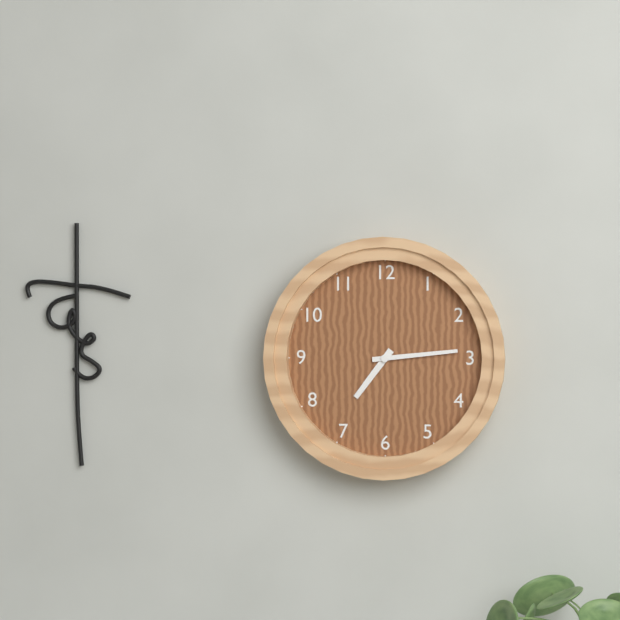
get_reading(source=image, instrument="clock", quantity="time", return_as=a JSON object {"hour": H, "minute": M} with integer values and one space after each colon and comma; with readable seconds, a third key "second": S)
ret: {"hour": 7, "minute": 14}
